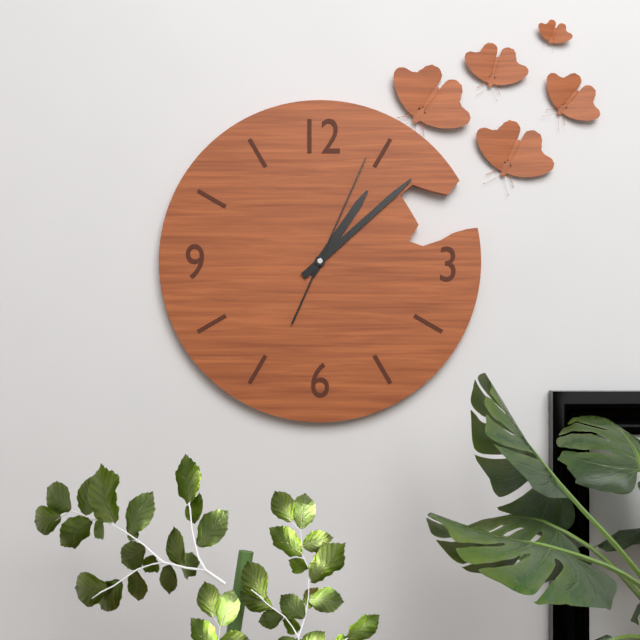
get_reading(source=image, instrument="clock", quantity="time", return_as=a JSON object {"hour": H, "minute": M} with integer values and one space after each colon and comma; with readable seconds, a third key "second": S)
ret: {"hour": 1, "minute": 8, "second": 4}
